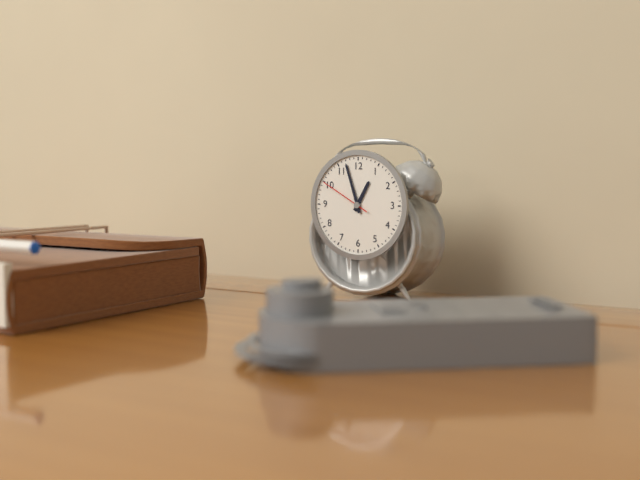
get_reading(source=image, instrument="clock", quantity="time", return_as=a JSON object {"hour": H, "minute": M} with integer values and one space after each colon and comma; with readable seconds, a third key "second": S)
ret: {"hour": 12, "minute": 57, "second": 50}
